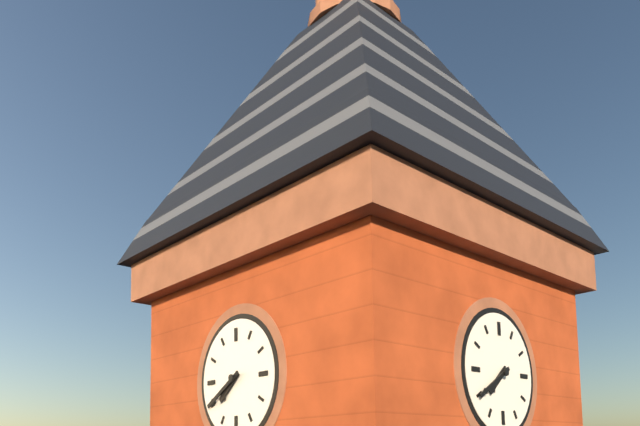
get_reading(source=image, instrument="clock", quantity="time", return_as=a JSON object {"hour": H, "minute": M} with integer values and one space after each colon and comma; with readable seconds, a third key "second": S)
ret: {"hour": 7, "minute": 40}
